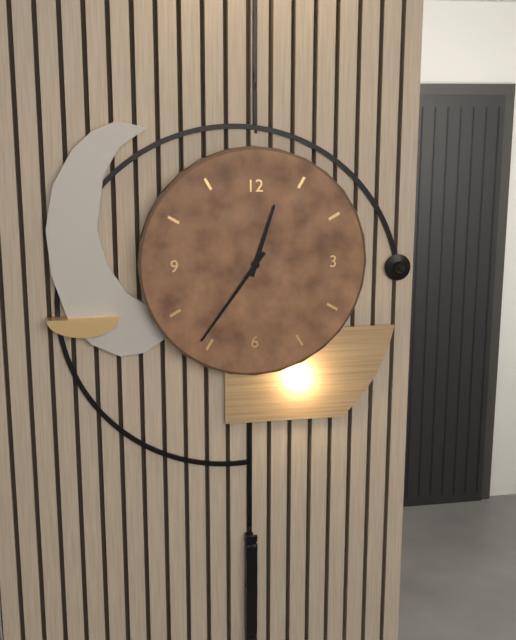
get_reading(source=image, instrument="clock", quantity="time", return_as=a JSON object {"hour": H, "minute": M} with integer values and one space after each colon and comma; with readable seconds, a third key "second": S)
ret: {"hour": 12, "minute": 36}
